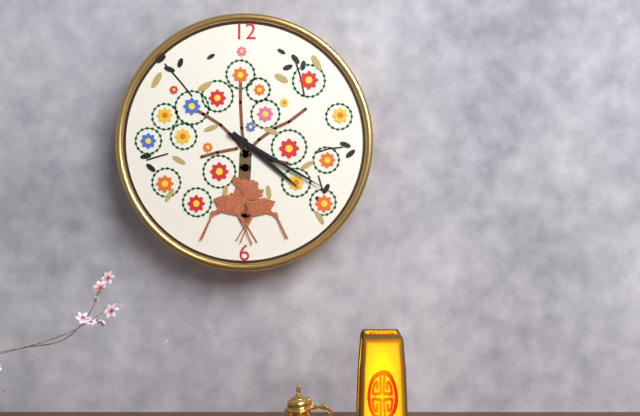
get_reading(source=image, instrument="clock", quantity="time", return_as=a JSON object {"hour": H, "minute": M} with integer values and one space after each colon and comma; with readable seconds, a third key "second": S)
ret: {"hour": 4, "minute": 20}
